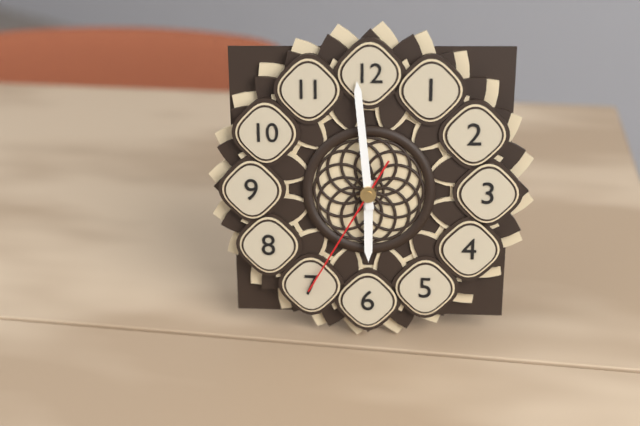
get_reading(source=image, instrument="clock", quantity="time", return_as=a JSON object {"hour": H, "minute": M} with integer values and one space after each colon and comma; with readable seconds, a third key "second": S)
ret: {"hour": 5, "minute": 59, "second": 35}
